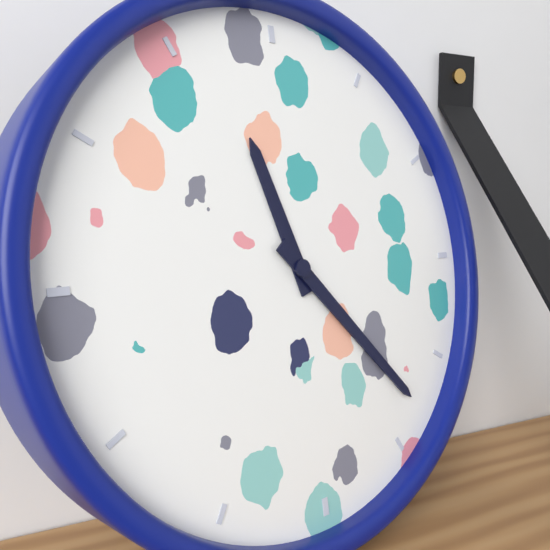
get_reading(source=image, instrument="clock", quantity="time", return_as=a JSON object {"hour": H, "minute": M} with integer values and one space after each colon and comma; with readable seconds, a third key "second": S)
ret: {"hour": 11, "minute": 23}
